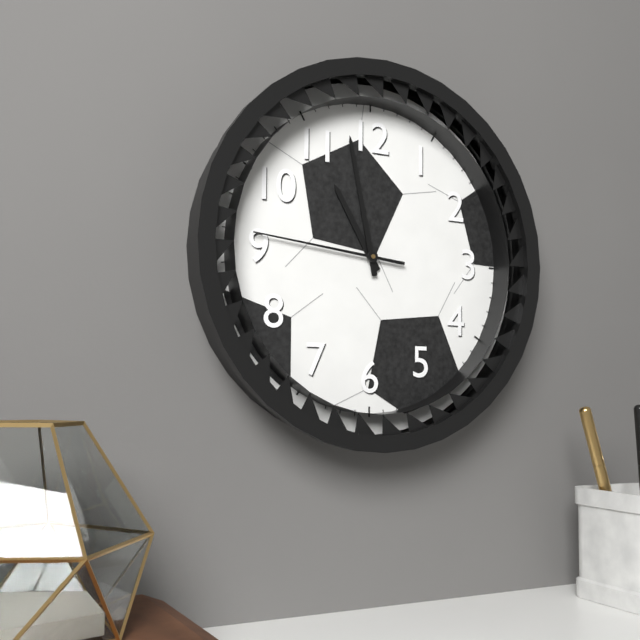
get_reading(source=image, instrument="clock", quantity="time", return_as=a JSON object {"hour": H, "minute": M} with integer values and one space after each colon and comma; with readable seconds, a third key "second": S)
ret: {"hour": 10, "minute": 58, "second": 46}
